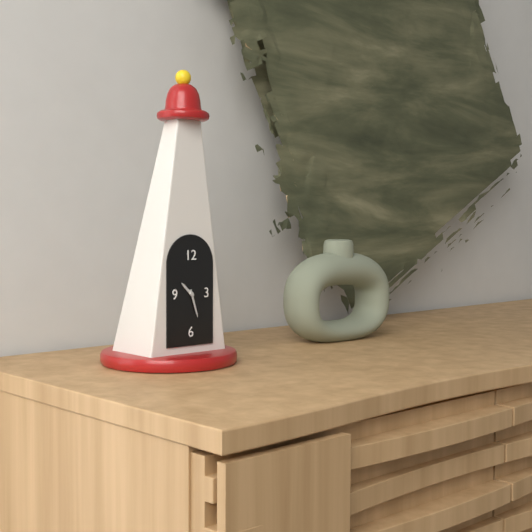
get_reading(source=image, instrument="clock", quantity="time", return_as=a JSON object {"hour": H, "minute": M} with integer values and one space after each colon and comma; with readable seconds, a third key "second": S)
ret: {"hour": 10, "minute": 27}
